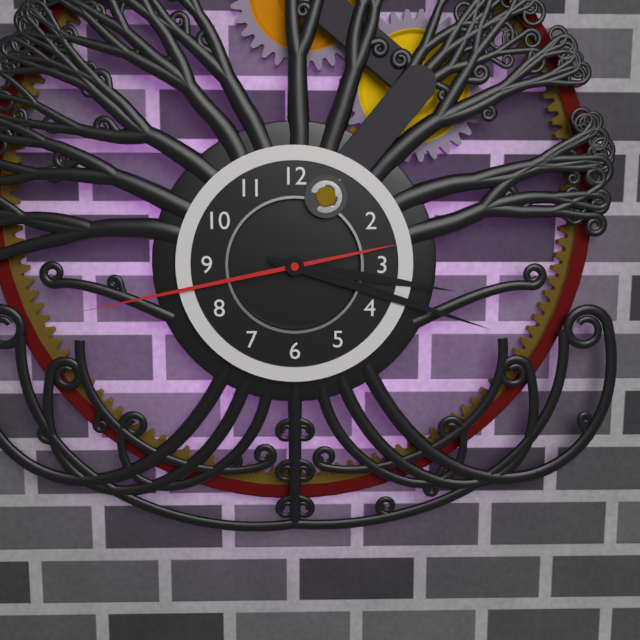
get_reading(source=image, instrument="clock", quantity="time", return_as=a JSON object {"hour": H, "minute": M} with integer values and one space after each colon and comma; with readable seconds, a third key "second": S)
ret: {"hour": 3, "minute": 18, "second": 43}
